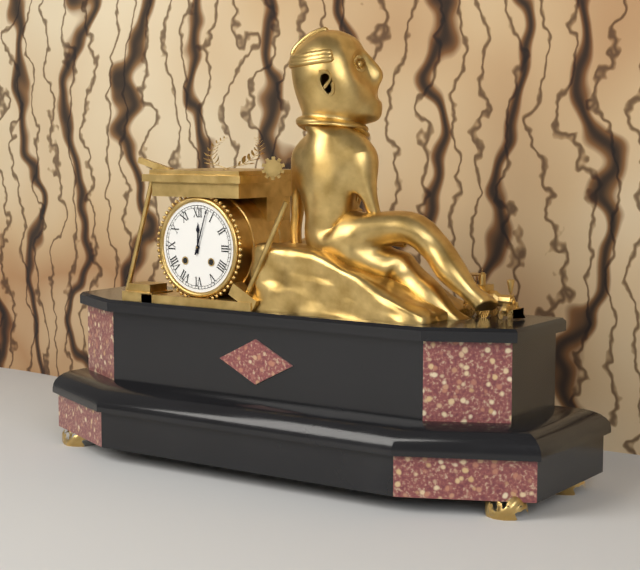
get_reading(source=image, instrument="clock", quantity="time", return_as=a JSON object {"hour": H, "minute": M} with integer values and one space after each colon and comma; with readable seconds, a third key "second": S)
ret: {"hour": 12, "minute": 3}
